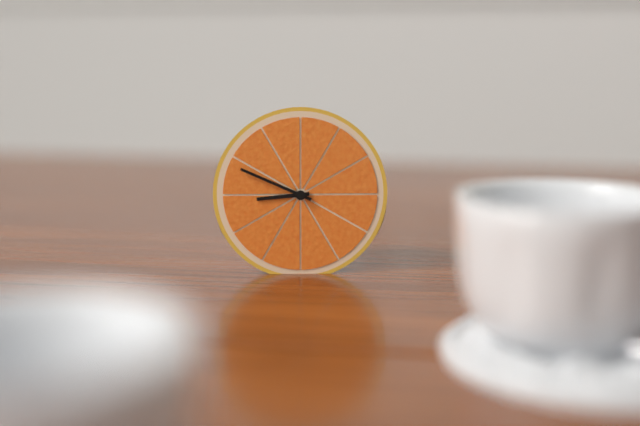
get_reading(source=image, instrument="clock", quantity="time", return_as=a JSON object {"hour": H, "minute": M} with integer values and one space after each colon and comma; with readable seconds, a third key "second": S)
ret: {"hour": 8, "minute": 49}
